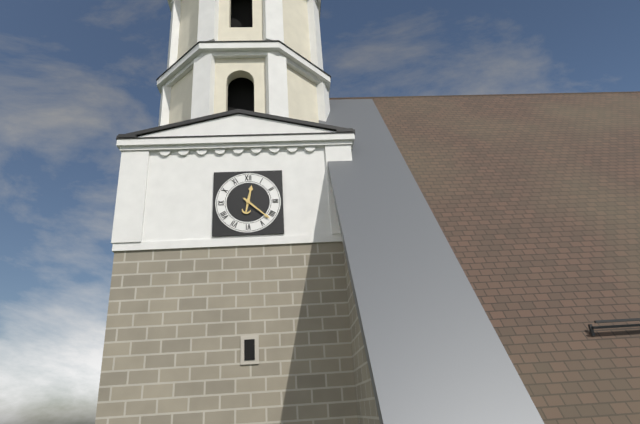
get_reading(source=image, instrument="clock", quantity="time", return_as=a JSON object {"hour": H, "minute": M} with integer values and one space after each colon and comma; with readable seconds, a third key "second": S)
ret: {"hour": 12, "minute": 22}
